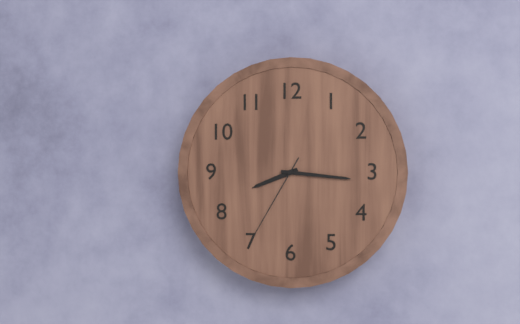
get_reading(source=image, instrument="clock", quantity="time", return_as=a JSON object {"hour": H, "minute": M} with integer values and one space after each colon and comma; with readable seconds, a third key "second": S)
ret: {"hour": 8, "minute": 16, "second": 35}
